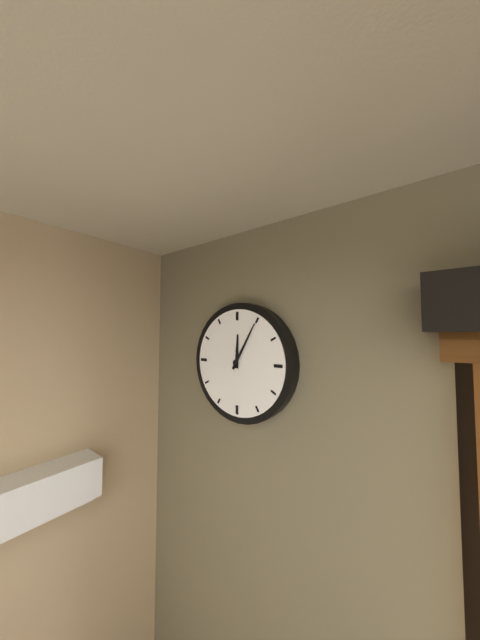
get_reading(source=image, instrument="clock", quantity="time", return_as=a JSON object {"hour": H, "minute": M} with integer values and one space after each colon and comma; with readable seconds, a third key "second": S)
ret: {"hour": 12, "minute": 5}
